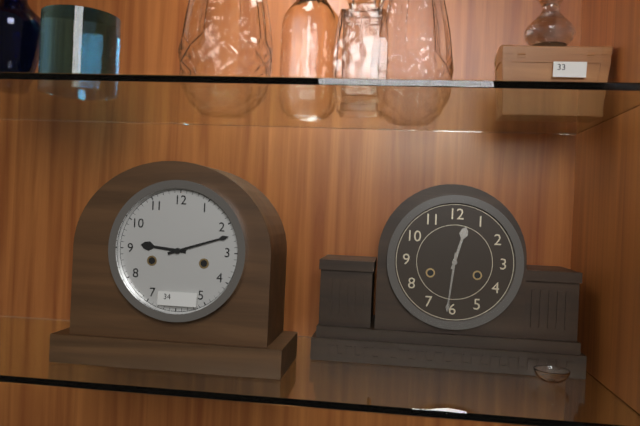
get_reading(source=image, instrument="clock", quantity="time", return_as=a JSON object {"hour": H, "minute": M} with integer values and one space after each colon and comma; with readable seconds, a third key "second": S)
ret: {"hour": 9, "minute": 12}
